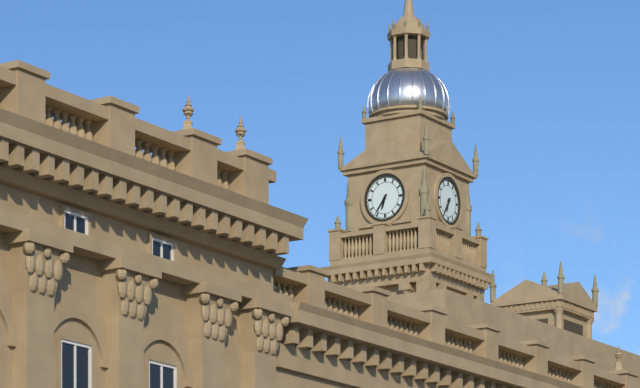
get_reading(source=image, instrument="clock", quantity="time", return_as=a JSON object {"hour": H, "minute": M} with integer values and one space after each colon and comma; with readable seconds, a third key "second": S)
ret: {"hour": 6, "minute": 36}
